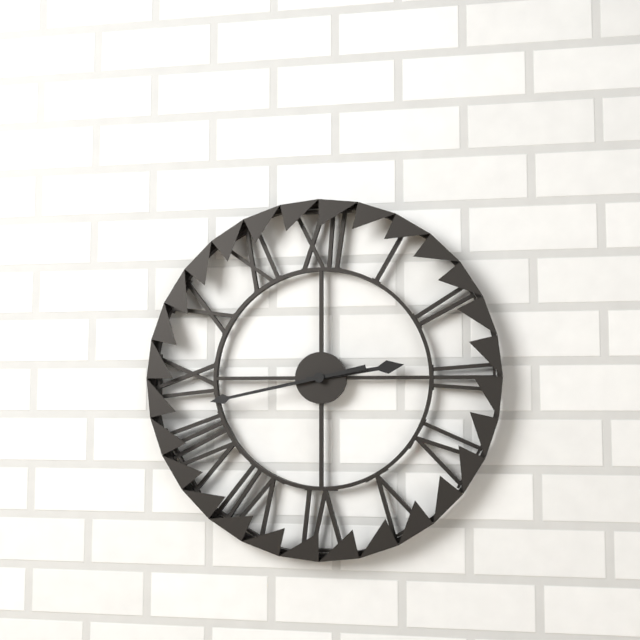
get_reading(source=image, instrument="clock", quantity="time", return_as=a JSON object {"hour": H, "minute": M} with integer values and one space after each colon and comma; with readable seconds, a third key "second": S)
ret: {"hour": 2, "minute": 43}
